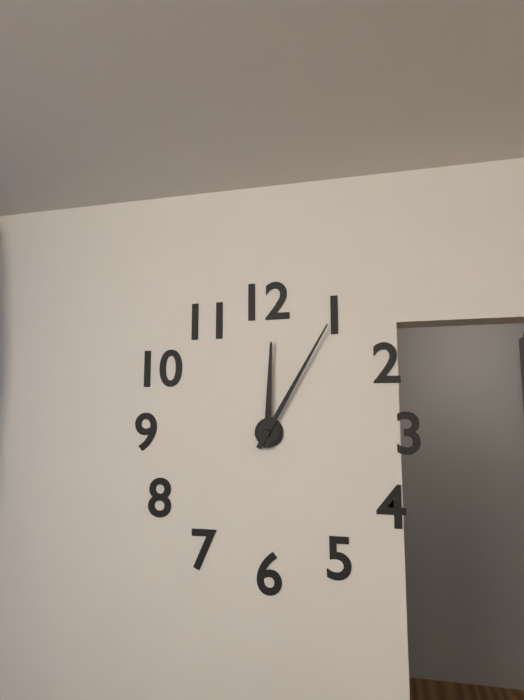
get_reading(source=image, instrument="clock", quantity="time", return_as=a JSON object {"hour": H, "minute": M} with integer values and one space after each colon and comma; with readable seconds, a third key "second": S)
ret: {"hour": 12, "minute": 5}
